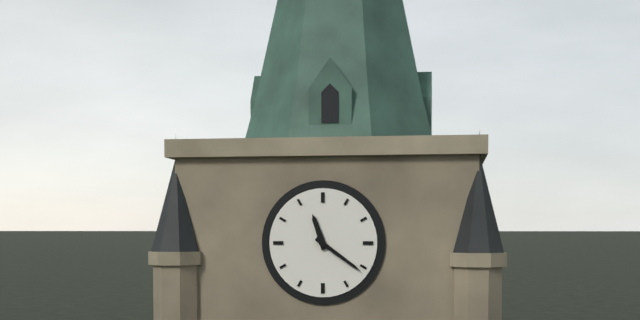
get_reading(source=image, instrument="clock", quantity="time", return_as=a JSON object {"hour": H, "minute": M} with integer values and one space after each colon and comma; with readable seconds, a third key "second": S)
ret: {"hour": 11, "minute": 21}
